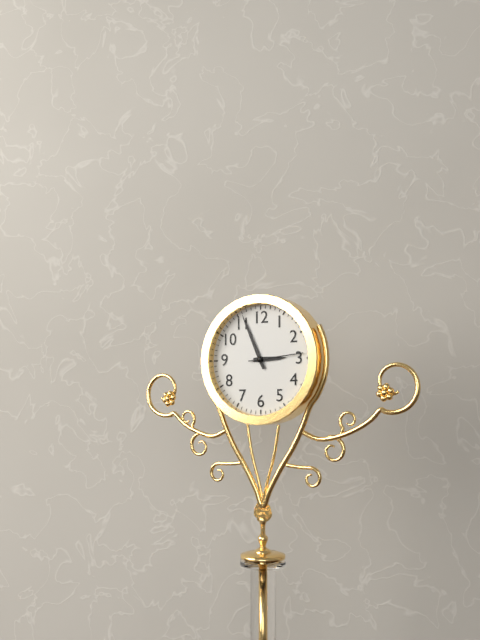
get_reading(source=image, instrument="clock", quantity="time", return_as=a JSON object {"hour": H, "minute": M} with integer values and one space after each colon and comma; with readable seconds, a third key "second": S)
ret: {"hour": 2, "minute": 56, "second": 14}
